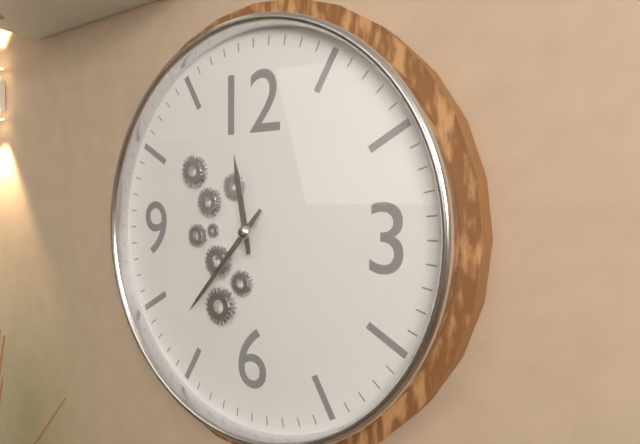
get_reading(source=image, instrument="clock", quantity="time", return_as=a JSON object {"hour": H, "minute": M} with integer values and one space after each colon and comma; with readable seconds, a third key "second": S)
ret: {"hour": 11, "minute": 37}
